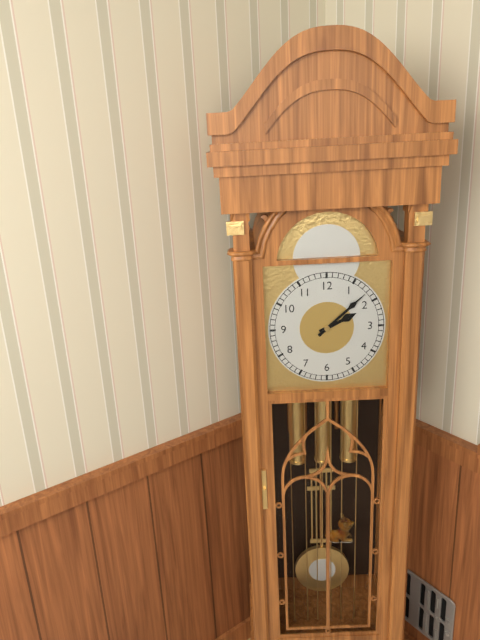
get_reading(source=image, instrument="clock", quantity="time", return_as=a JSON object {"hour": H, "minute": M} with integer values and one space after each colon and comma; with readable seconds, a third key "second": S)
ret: {"hour": 2, "minute": 8}
